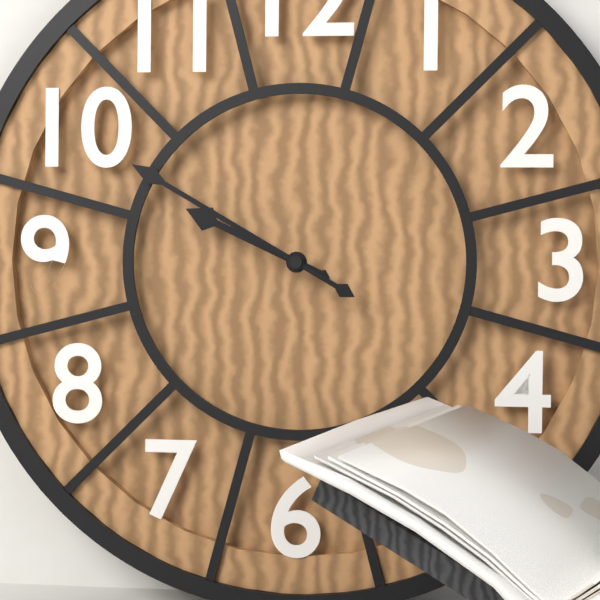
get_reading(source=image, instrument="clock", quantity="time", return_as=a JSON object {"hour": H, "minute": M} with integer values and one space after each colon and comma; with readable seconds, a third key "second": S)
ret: {"hour": 9, "minute": 50}
